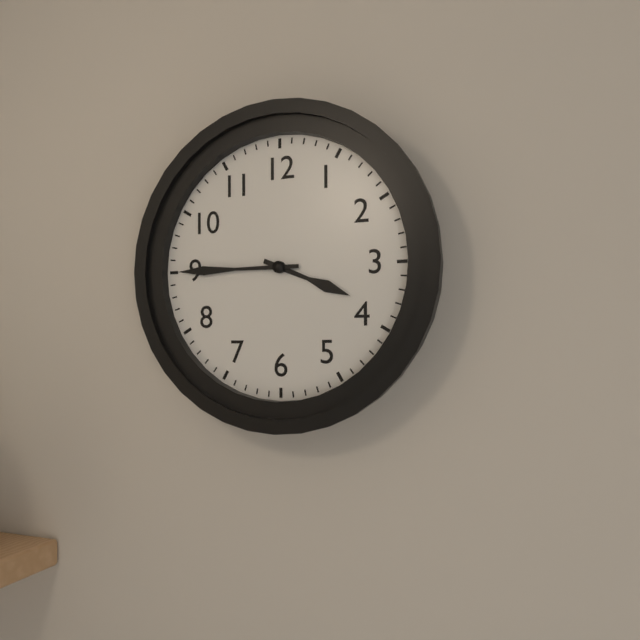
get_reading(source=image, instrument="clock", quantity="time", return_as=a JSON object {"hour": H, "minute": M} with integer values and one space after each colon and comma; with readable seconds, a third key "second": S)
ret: {"hour": 3, "minute": 45}
